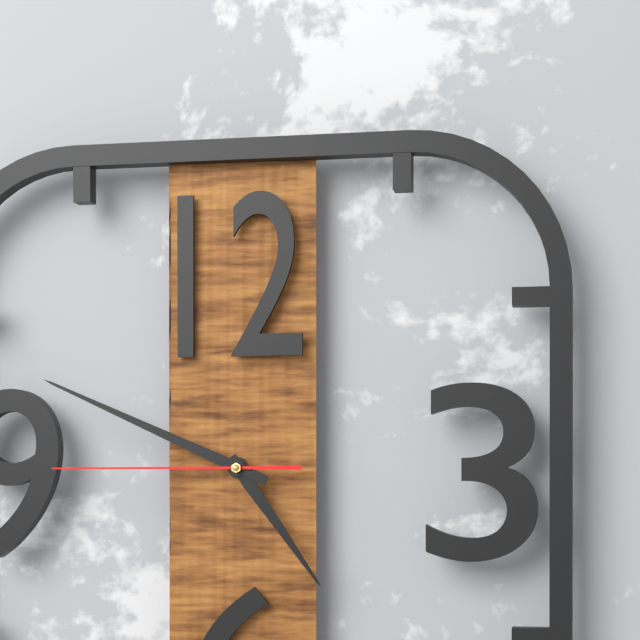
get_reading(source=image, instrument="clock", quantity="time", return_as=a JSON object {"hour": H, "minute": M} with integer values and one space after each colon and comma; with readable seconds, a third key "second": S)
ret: {"hour": 4, "minute": 49, "second": 45}
